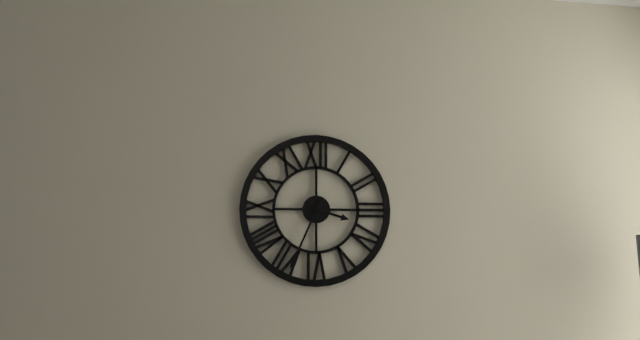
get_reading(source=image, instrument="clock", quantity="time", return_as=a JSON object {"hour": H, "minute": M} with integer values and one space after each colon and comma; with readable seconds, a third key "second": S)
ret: {"hour": 3, "minute": 34}
